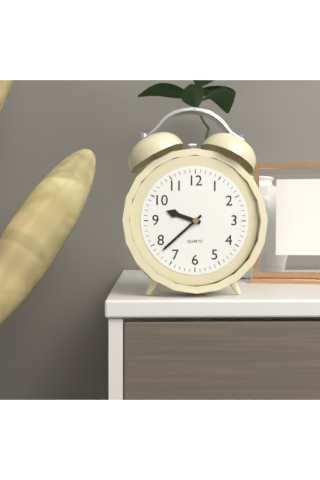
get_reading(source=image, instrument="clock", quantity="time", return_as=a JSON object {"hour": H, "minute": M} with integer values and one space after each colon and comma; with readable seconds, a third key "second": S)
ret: {"hour": 9, "minute": 38}
